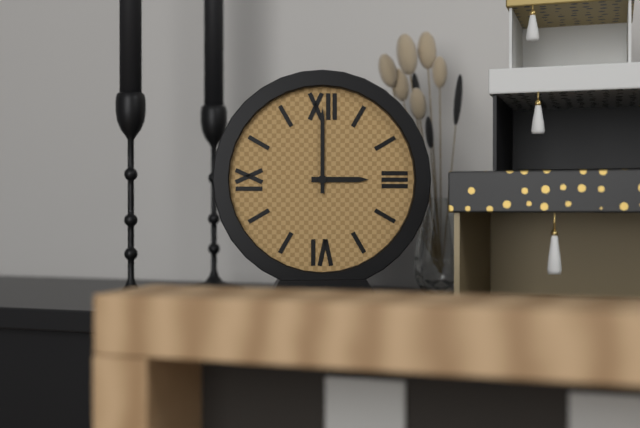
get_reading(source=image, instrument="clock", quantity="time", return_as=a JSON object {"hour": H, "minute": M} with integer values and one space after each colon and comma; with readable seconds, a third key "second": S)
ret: {"hour": 3, "minute": 0}
